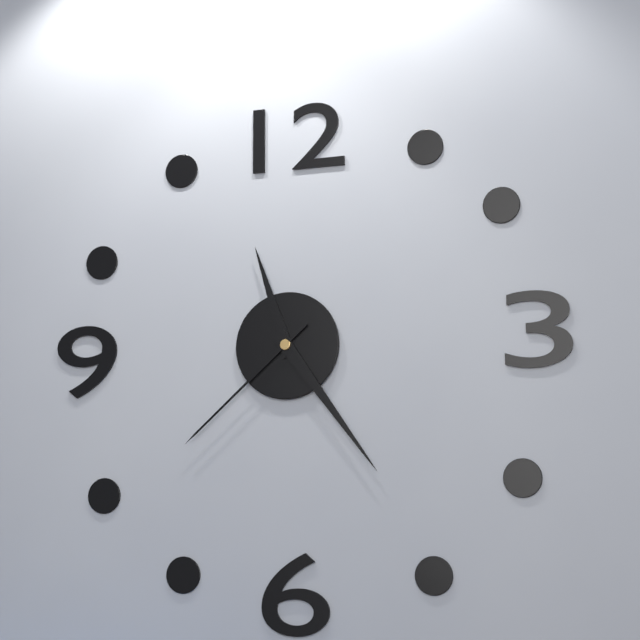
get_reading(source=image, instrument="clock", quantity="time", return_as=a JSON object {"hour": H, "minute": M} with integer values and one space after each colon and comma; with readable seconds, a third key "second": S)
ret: {"hour": 11, "minute": 24, "second": 38}
